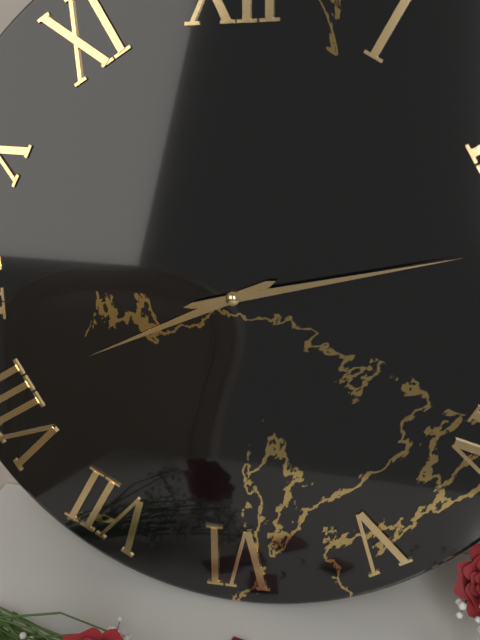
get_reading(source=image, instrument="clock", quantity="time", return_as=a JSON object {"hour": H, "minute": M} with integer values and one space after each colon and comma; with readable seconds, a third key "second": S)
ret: {"hour": 8, "minute": 13}
